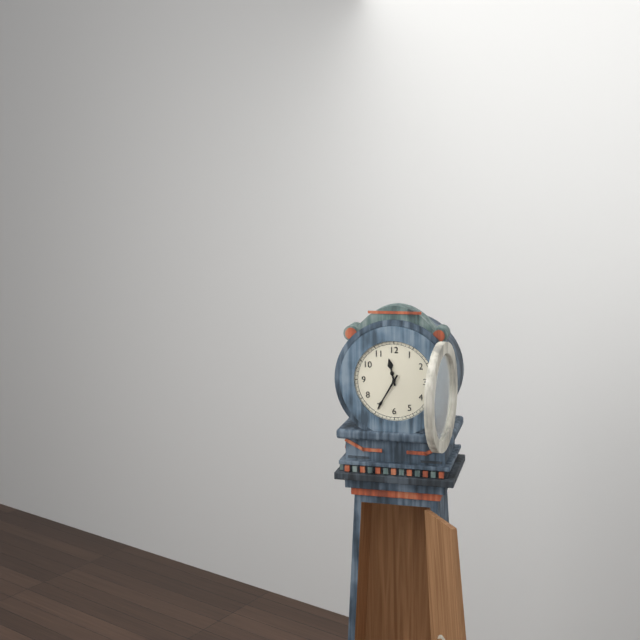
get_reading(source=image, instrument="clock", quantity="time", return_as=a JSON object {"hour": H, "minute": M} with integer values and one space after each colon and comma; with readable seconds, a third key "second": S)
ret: {"hour": 11, "minute": 35}
